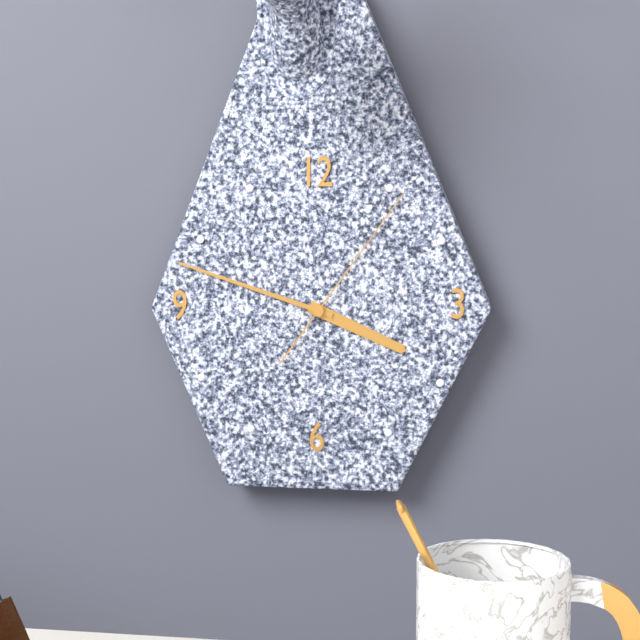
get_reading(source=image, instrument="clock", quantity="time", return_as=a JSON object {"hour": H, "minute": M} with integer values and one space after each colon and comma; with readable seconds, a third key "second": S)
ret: {"hour": 3, "minute": 48, "second": 6}
